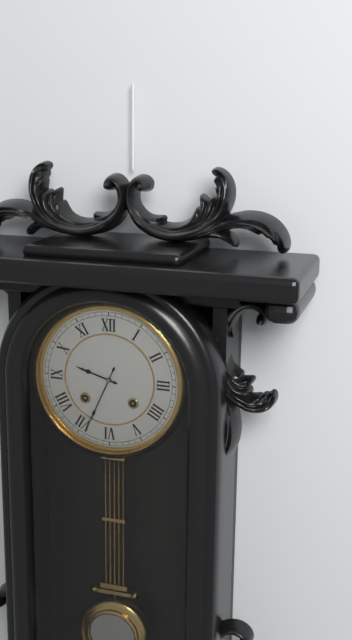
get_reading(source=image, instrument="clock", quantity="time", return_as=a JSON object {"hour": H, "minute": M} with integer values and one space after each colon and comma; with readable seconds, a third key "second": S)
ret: {"hour": 9, "minute": 34}
